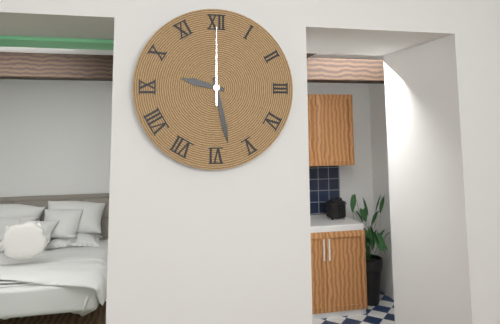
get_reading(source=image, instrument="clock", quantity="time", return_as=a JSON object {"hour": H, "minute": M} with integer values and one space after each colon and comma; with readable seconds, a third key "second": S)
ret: {"hour": 9, "minute": 28, "second": 0}
